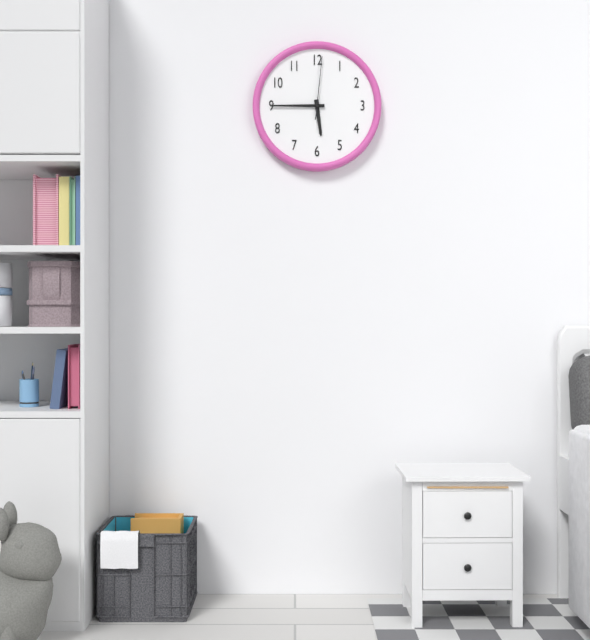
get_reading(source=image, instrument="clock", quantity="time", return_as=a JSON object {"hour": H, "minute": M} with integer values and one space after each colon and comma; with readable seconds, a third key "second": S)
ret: {"hour": 5, "minute": 45, "second": 1}
